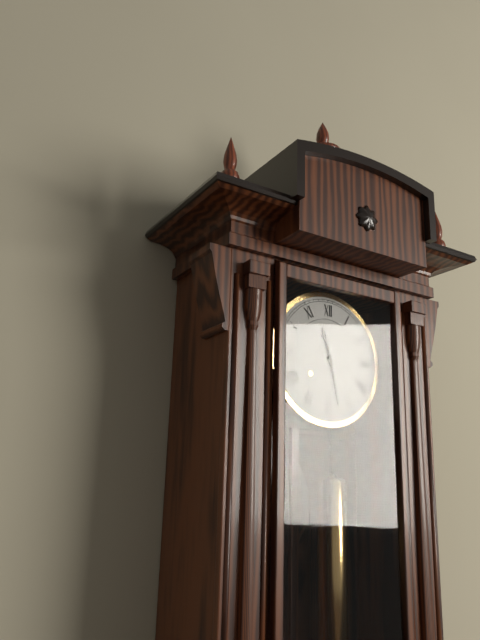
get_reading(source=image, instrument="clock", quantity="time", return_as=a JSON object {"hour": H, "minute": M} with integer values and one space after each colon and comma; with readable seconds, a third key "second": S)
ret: {"hour": 11, "minute": 28}
